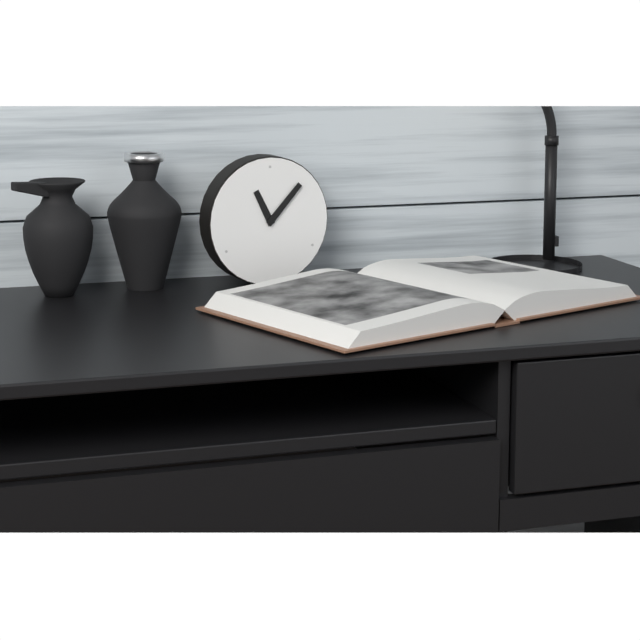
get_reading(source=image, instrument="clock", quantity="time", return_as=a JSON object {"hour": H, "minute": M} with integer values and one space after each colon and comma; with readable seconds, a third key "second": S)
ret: {"hour": 11, "minute": 7}
